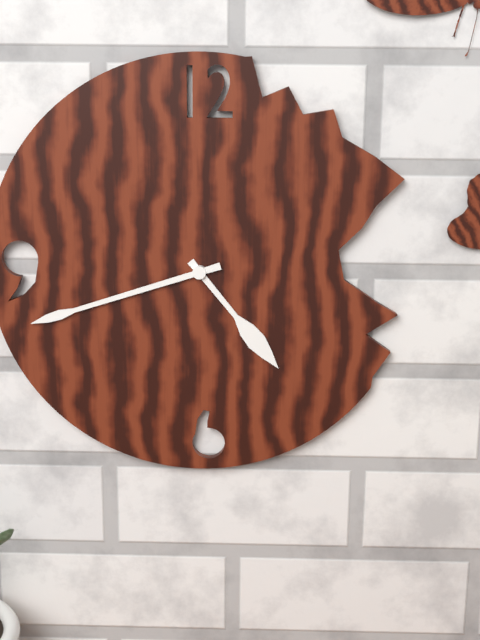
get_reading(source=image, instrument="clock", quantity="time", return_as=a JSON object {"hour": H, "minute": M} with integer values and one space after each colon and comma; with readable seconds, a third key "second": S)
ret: {"hour": 4, "minute": 42}
